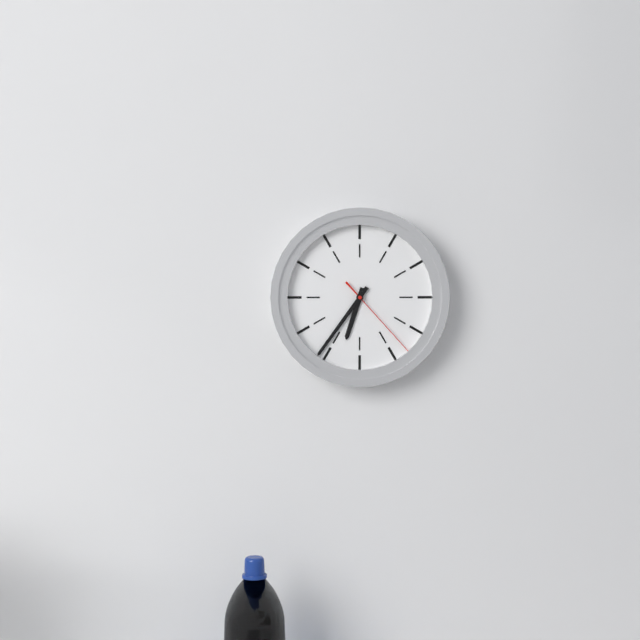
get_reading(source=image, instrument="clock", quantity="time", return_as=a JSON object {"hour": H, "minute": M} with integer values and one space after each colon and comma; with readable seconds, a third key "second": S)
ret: {"hour": 6, "minute": 36, "second": 23}
